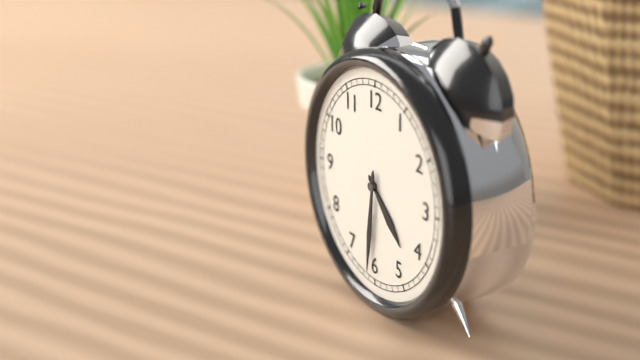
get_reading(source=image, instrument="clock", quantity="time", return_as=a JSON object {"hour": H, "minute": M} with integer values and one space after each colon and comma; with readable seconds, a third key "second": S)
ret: {"hour": 4, "minute": 31}
